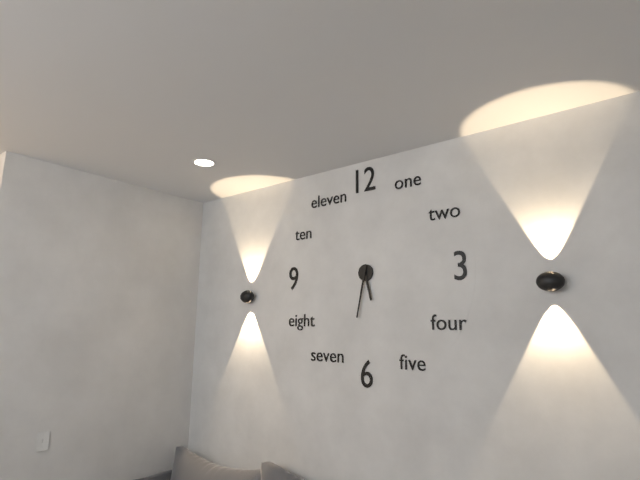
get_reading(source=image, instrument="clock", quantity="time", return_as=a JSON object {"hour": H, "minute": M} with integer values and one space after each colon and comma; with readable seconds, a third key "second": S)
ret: {"hour": 5, "minute": 32}
